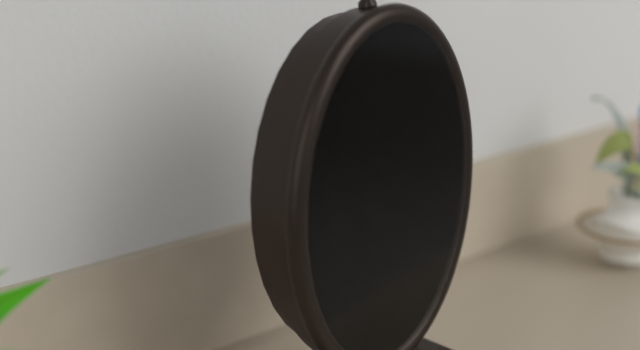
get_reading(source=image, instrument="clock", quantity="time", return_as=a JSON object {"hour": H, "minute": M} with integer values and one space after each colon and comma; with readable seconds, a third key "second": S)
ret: {"hour": 9, "minute": 54}
